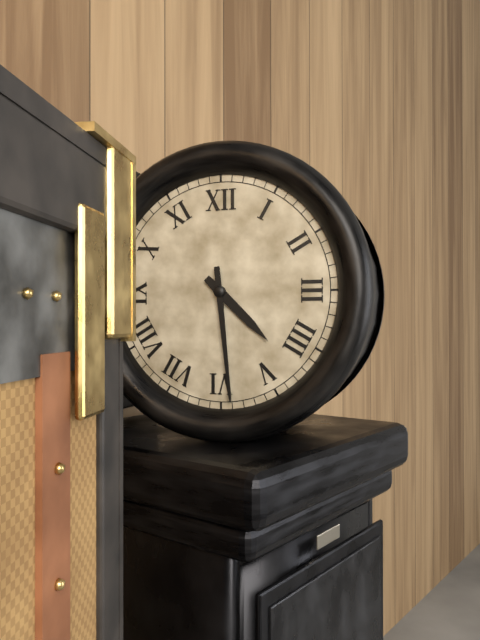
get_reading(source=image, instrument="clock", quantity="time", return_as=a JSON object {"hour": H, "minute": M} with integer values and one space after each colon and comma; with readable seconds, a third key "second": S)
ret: {"hour": 4, "minute": 29}
